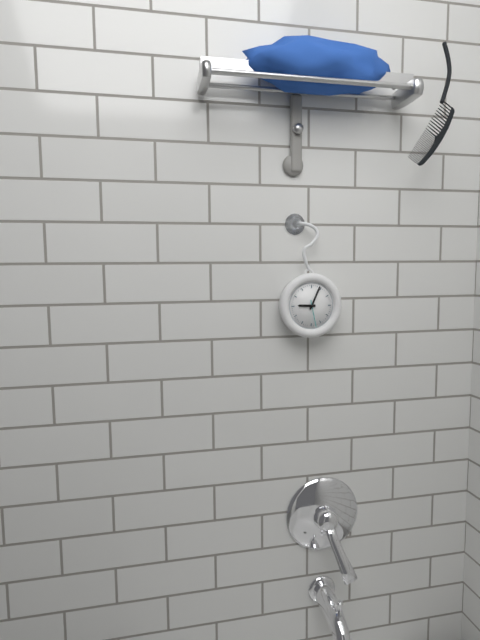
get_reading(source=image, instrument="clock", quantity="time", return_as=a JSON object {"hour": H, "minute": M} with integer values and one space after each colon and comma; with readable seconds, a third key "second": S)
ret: {"hour": 9, "minute": 4}
